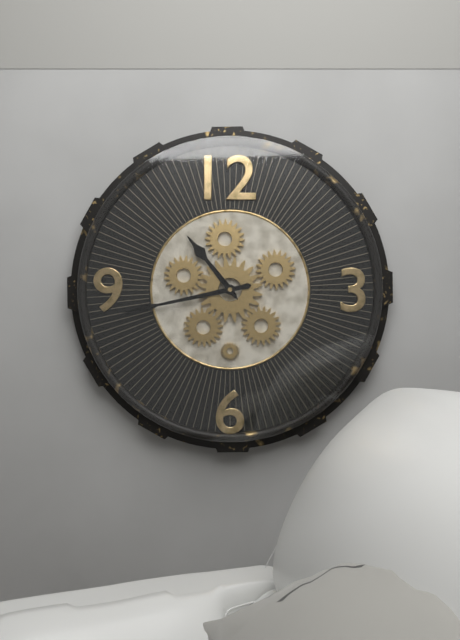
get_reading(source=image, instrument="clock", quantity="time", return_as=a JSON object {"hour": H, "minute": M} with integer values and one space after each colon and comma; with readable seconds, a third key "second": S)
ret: {"hour": 10, "minute": 43}
